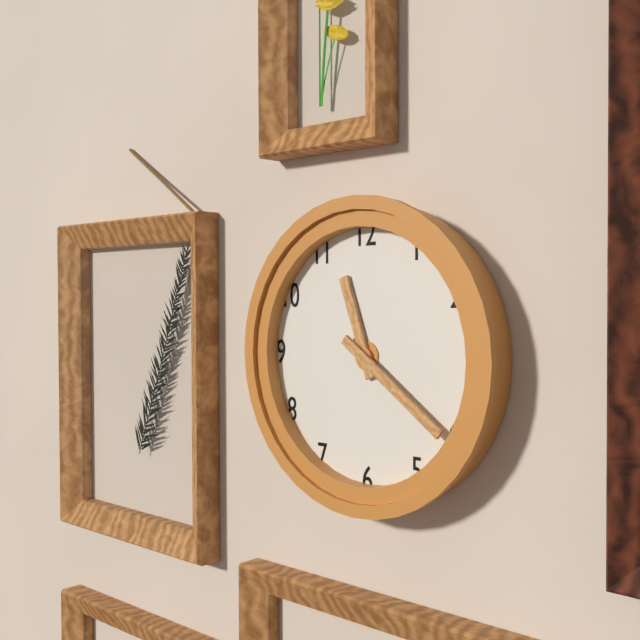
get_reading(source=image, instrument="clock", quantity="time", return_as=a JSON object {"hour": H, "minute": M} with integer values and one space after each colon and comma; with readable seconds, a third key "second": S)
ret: {"hour": 11, "minute": 21}
